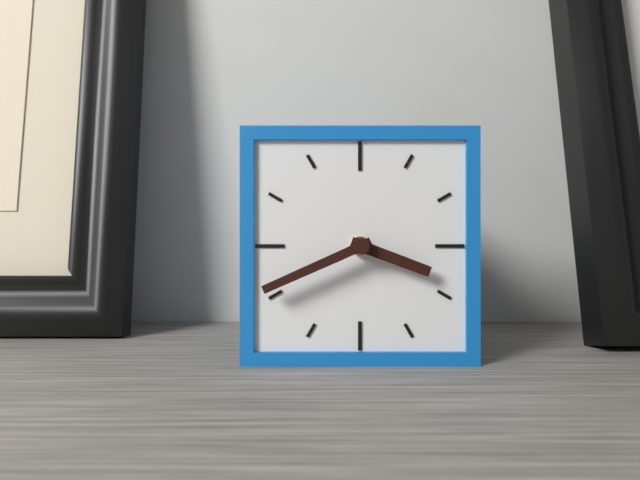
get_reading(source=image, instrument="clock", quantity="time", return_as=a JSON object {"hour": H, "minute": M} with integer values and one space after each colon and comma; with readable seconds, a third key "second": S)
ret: {"hour": 3, "minute": 41}
